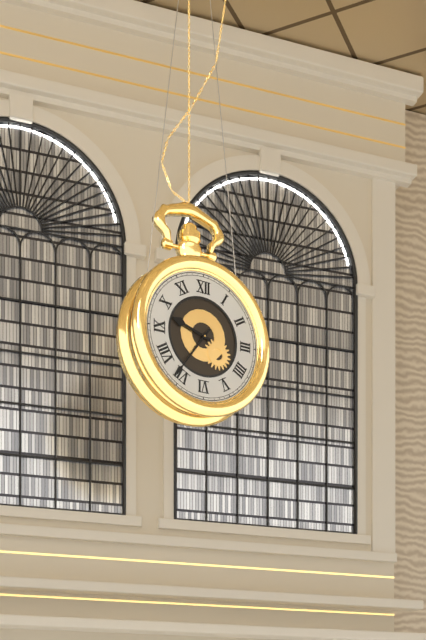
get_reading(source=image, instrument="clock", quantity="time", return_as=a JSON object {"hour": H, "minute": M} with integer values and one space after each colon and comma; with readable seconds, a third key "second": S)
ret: {"hour": 9, "minute": 36}
